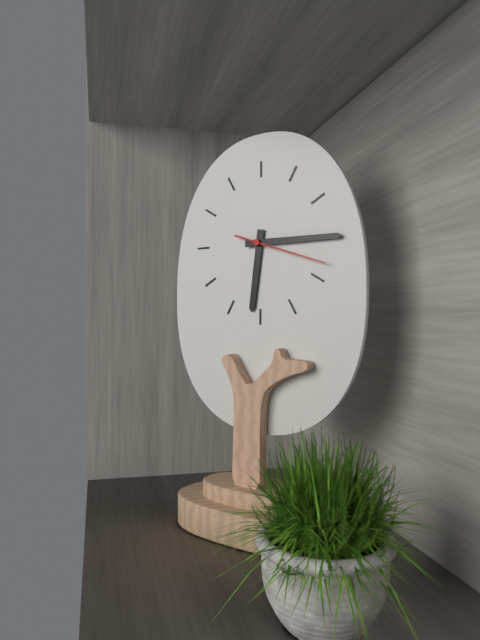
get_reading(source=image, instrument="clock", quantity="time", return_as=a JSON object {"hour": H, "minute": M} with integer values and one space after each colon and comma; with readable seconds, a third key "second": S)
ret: {"hour": 6, "minute": 15, "second": 18}
